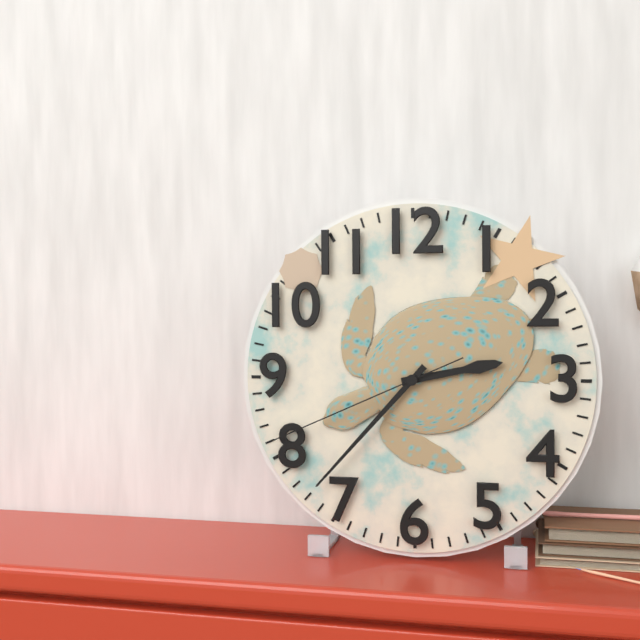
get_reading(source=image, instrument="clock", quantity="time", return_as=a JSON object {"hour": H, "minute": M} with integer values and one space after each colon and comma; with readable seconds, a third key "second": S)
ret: {"hour": 2, "minute": 37, "second": 41}
